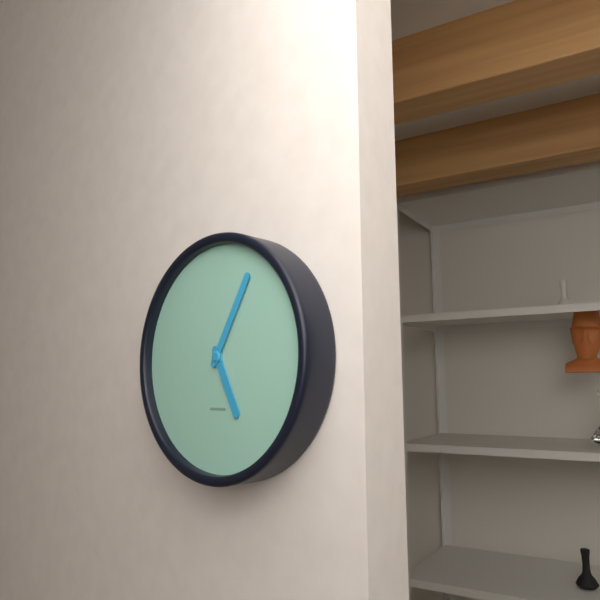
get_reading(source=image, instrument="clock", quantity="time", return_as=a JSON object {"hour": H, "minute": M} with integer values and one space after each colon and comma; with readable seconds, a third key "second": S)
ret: {"hour": 5, "minute": 5}
